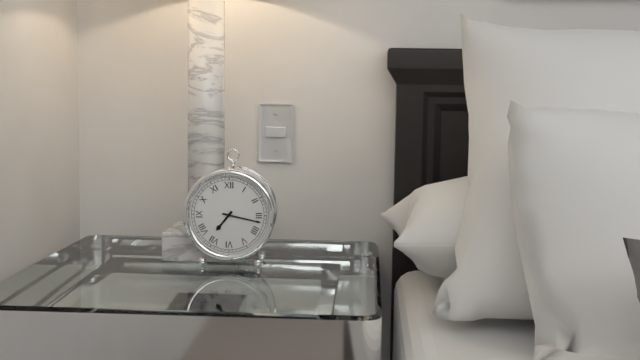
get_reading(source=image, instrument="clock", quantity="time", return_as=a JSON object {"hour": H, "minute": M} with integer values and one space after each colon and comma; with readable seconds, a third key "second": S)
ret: {"hour": 7, "minute": 17}
